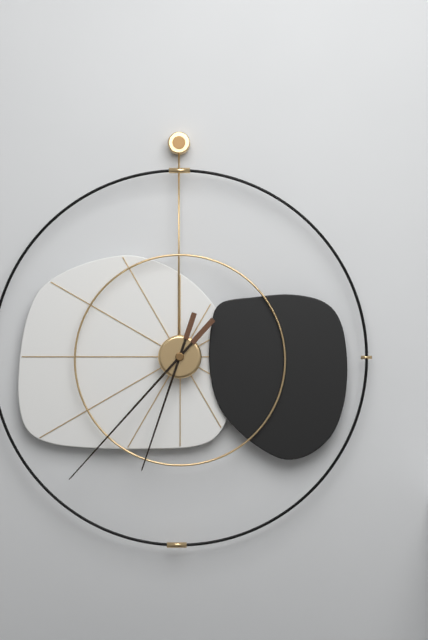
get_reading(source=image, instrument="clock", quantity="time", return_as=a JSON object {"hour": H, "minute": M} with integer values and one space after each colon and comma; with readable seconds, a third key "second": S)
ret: {"hour": 6, "minute": 37}
